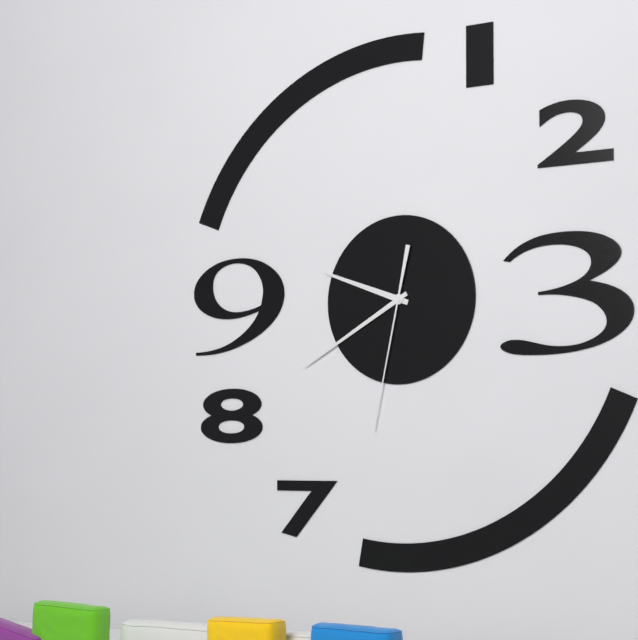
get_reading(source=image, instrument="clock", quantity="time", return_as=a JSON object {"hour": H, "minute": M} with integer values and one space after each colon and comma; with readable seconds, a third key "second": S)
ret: {"hour": 9, "minute": 40, "second": 32}
